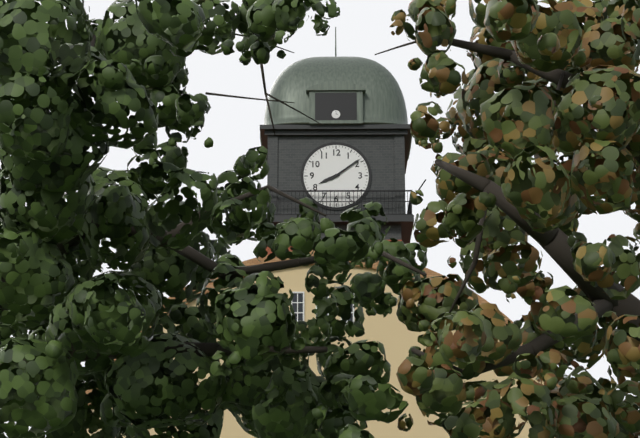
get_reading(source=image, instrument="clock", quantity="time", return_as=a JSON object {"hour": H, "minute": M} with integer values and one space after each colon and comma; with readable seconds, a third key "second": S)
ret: {"hour": 8, "minute": 9}
